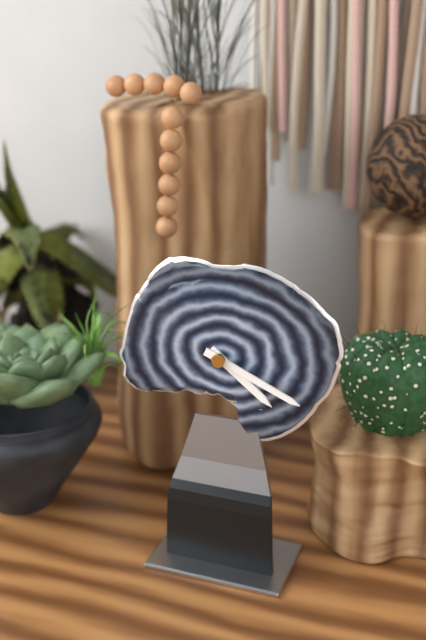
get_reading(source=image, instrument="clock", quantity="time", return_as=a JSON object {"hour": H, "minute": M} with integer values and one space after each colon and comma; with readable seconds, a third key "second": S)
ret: {"hour": 4, "minute": 19}
